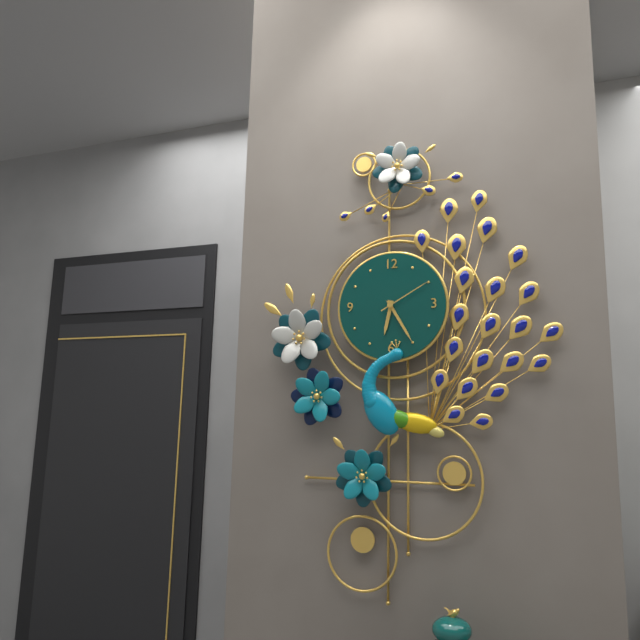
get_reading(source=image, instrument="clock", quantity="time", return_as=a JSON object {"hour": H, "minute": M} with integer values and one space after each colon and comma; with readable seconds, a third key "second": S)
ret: {"hour": 6, "minute": 25, "second": 10}
